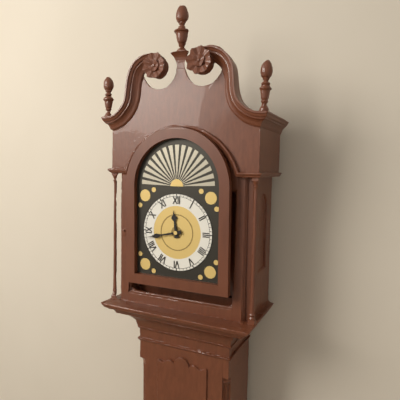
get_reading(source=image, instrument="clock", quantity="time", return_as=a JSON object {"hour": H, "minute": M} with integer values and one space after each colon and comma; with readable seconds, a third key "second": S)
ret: {"hour": 11, "minute": 43}
